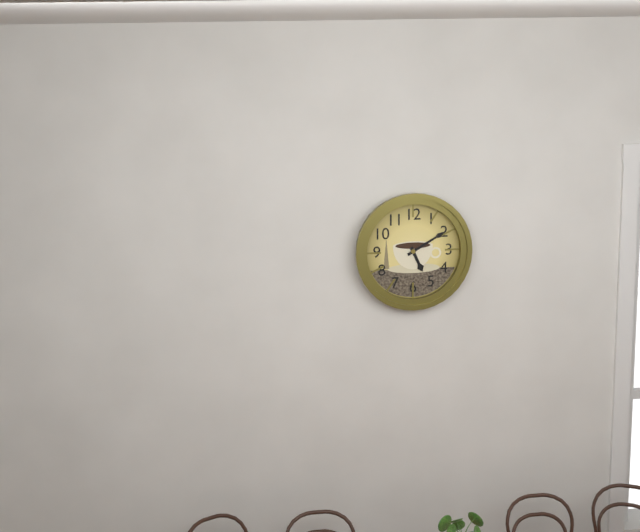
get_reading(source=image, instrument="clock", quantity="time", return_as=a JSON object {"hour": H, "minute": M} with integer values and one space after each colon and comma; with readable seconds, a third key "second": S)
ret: {"hour": 5, "minute": 10}
